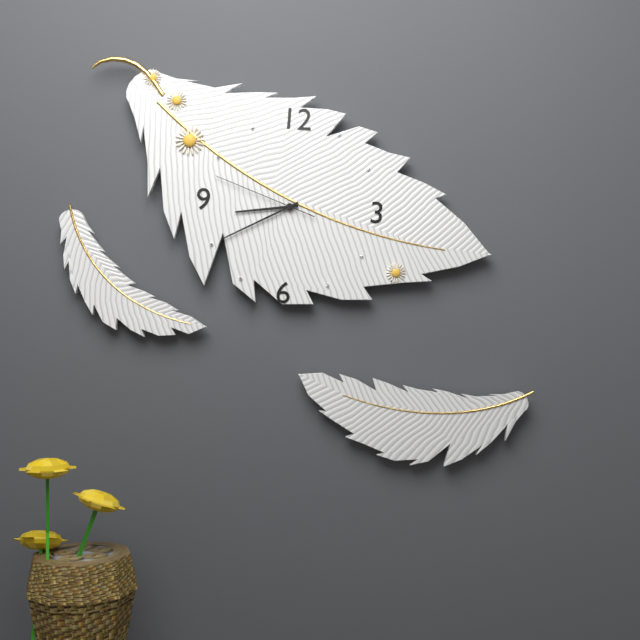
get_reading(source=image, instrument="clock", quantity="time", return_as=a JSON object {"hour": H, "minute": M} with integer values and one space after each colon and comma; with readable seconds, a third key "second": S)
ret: {"hour": 8, "minute": 40, "second": 48}
